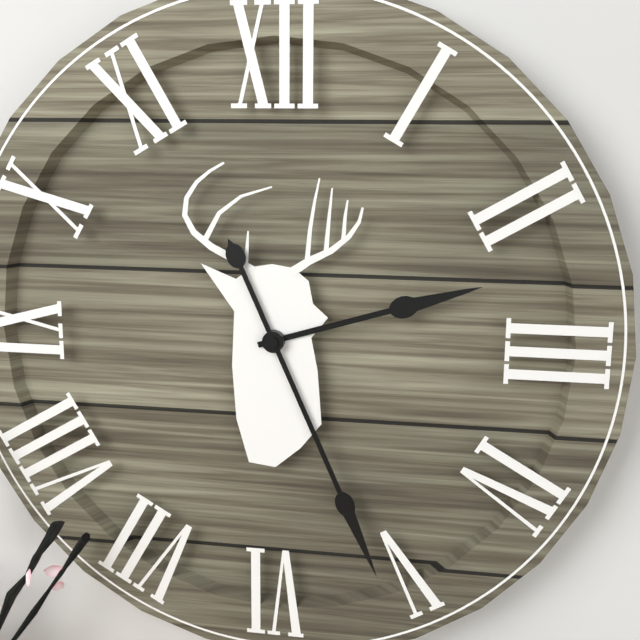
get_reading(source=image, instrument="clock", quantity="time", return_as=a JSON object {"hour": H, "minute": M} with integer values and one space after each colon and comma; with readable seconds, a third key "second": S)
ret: {"hour": 2, "minute": 26}
